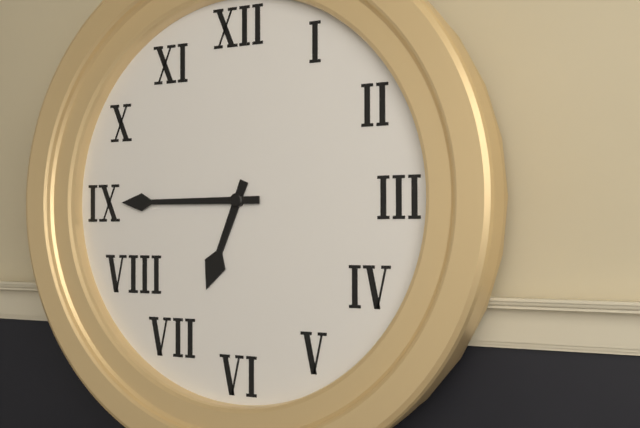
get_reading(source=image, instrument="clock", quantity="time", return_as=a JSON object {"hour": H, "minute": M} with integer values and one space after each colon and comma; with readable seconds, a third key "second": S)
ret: {"hour": 6, "minute": 45}
